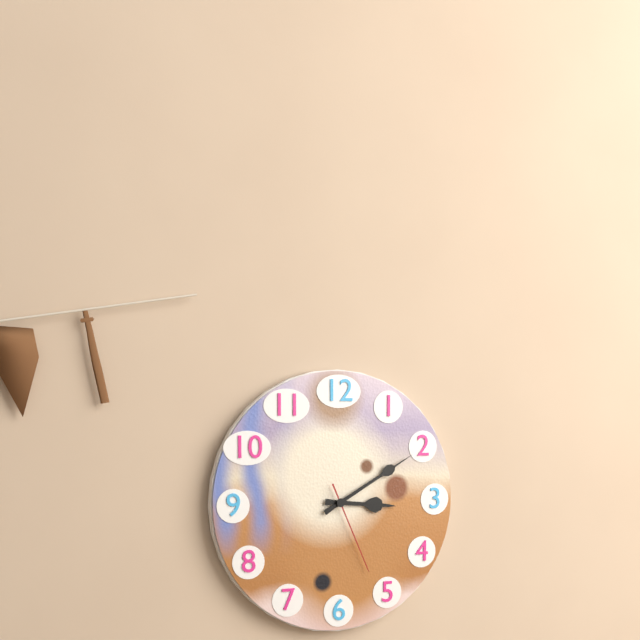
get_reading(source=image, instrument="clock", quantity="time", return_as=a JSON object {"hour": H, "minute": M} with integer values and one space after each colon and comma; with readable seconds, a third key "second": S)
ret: {"hour": 3, "minute": 10, "second": 26}
